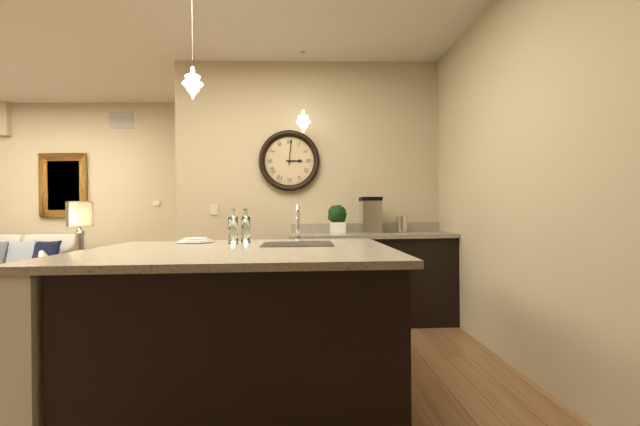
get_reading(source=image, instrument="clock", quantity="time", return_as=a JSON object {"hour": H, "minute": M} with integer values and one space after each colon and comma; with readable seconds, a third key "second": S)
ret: {"hour": 3, "minute": 1}
